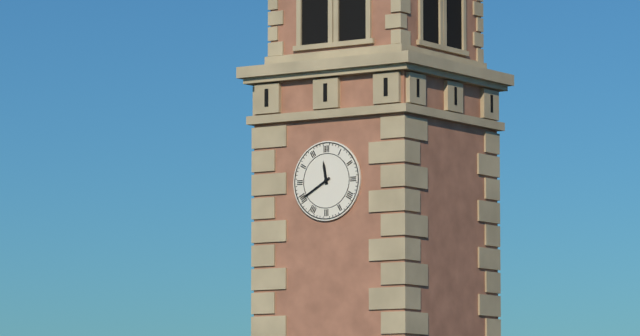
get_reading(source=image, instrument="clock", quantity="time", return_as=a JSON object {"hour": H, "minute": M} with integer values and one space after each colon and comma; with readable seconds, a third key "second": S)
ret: {"hour": 11, "minute": 40}
